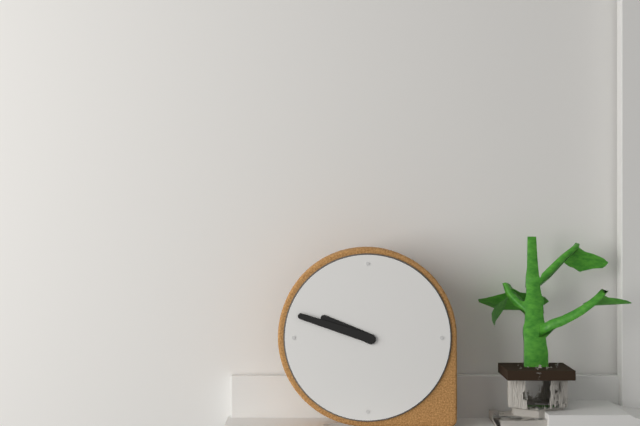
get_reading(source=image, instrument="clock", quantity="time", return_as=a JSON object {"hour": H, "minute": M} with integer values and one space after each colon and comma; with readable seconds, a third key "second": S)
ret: {"hour": 9, "minute": 48}
